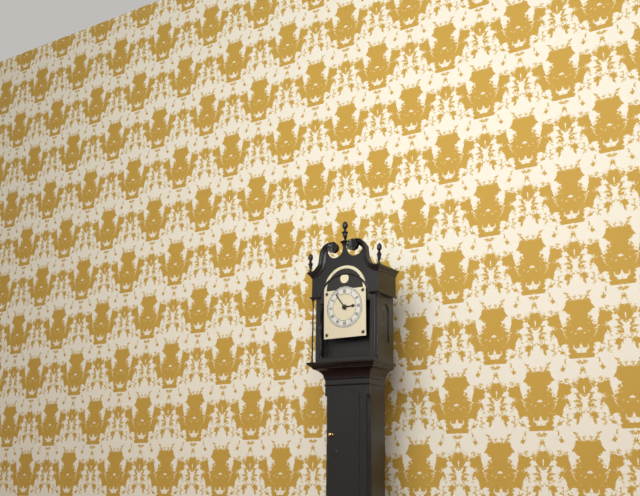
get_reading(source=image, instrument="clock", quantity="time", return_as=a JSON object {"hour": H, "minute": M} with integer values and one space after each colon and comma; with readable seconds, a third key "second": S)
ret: {"hour": 2, "minute": 54}
